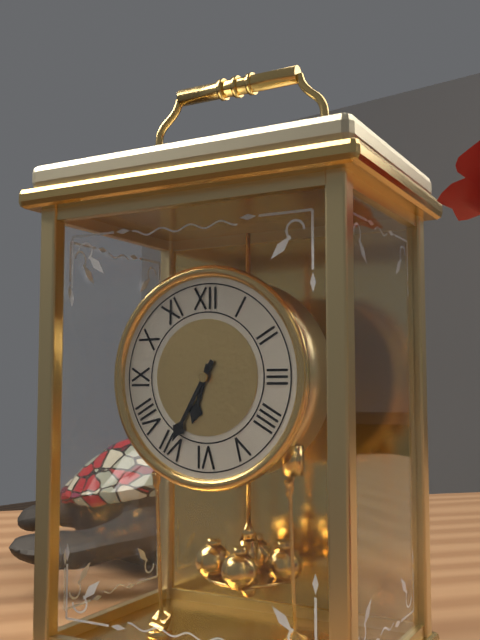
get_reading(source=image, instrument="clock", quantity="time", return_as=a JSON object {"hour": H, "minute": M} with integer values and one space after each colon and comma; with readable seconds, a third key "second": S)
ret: {"hour": 6, "minute": 35}
